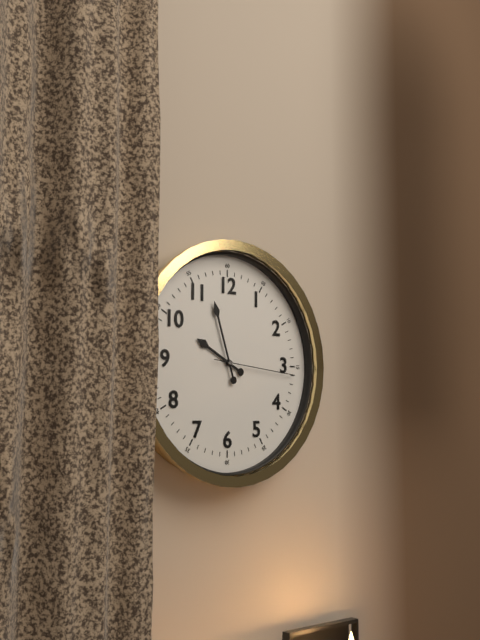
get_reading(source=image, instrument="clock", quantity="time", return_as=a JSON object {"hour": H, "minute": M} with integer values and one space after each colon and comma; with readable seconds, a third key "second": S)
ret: {"hour": 9, "minute": 57, "second": 16}
